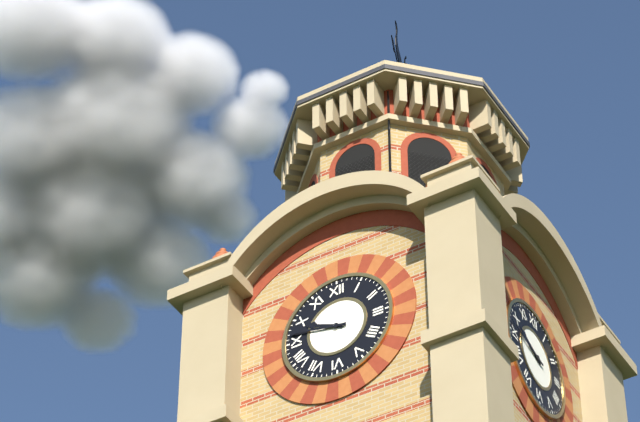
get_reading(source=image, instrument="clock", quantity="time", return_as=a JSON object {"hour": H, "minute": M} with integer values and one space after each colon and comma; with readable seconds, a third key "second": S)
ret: {"hour": 9, "minute": 47}
